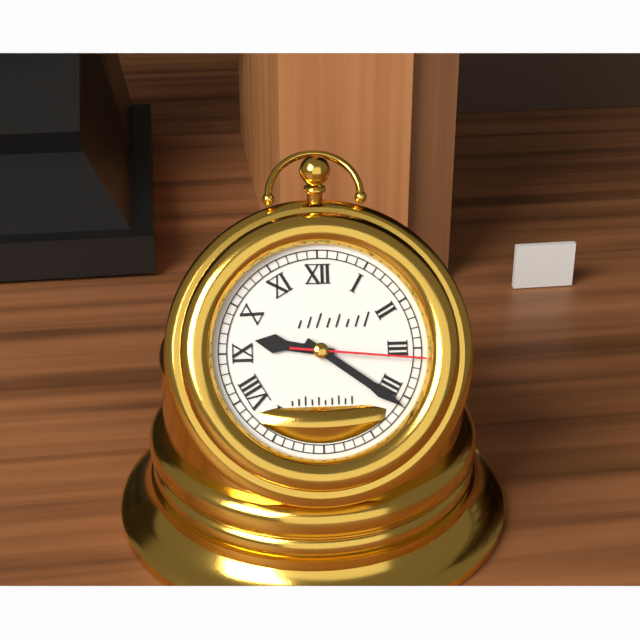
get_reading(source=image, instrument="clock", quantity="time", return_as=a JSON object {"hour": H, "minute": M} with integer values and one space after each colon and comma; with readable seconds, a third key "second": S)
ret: {"hour": 9, "minute": 21, "second": 16}
